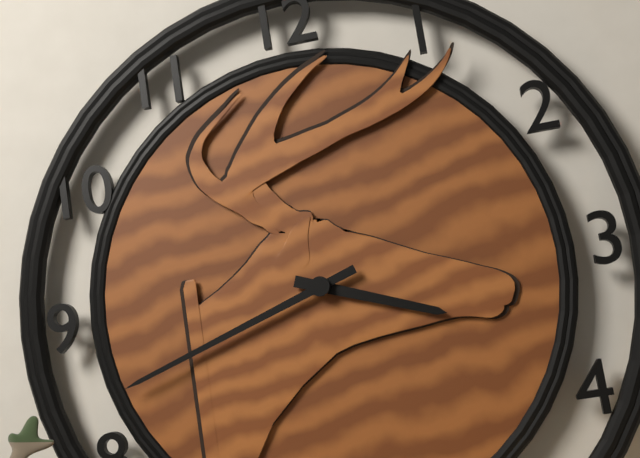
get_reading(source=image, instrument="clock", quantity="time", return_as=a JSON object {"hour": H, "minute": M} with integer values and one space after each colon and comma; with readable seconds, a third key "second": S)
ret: {"hour": 3, "minute": 42}
